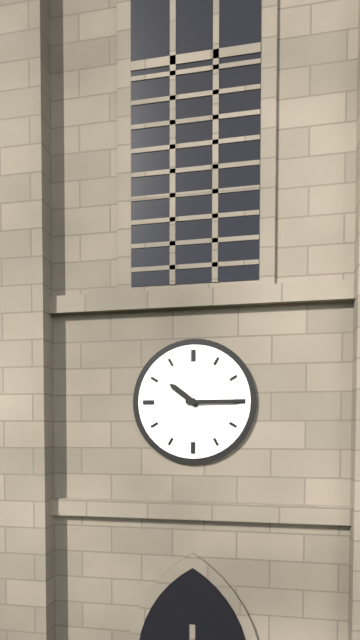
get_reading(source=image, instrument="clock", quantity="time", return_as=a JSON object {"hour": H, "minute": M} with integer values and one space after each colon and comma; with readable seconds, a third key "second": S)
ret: {"hour": 10, "minute": 15}
